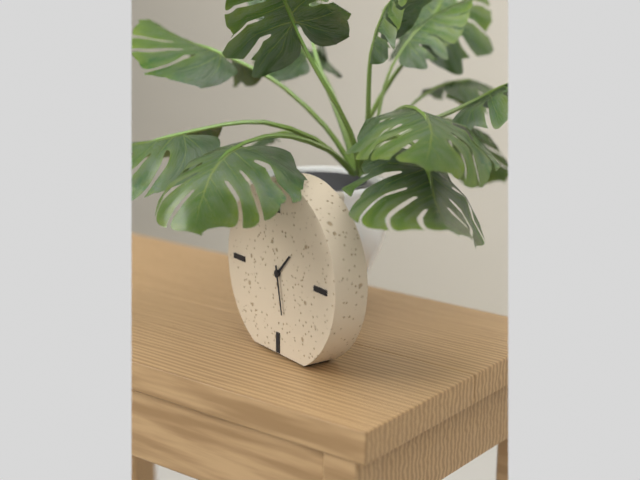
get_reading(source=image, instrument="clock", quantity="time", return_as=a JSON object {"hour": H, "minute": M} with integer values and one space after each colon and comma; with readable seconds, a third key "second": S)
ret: {"hour": 1, "minute": 28}
